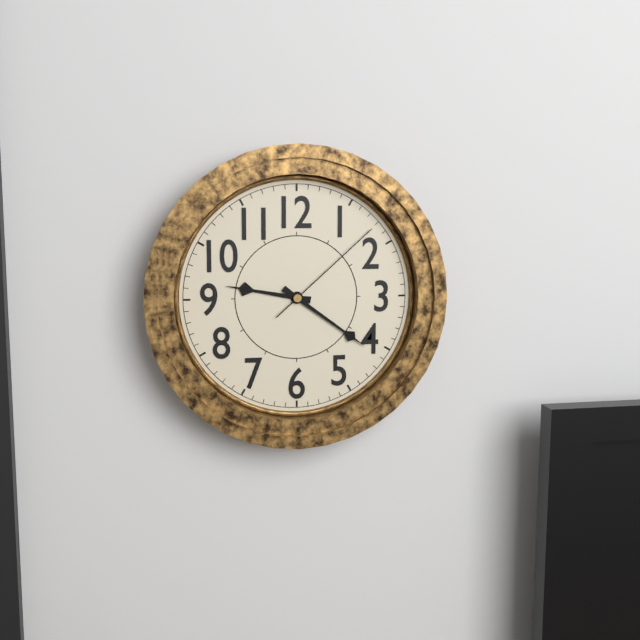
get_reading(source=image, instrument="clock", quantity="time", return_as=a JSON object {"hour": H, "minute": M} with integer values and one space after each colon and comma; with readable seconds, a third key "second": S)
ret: {"hour": 9, "minute": 21, "second": 8}
